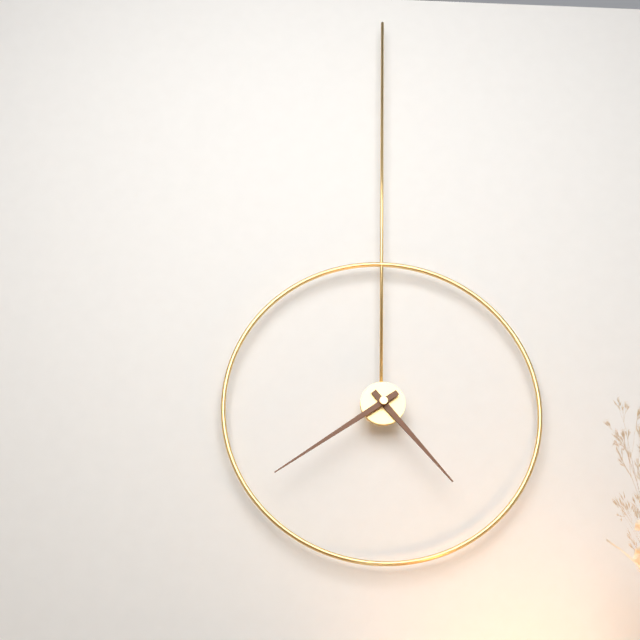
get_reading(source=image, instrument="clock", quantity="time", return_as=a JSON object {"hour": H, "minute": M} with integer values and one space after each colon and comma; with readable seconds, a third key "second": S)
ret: {"hour": 4, "minute": 39}
